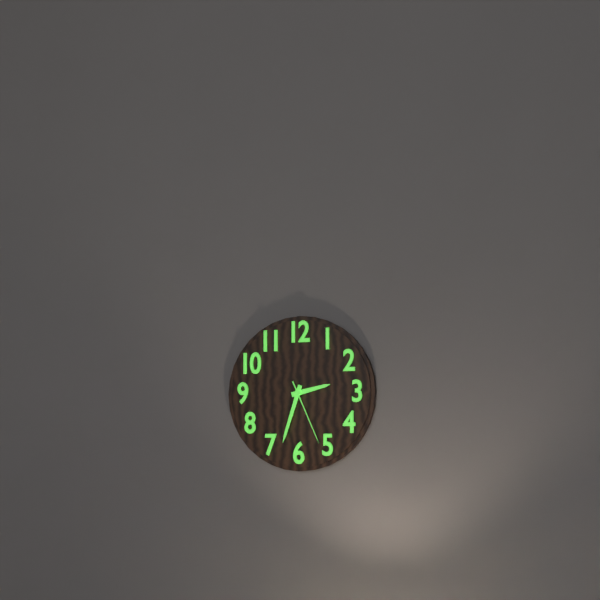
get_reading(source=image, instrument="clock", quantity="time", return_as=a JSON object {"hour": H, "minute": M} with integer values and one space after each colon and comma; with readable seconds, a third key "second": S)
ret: {"hour": 2, "minute": 33, "second": 26}
